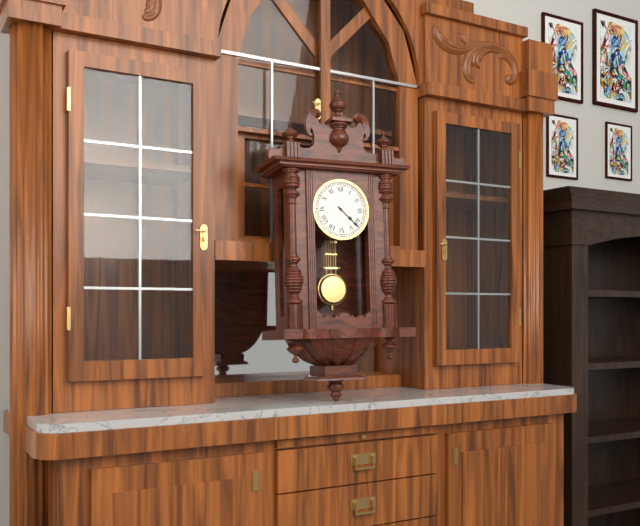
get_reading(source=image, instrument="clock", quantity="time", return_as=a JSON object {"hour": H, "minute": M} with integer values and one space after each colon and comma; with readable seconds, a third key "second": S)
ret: {"hour": 4, "minute": 22}
